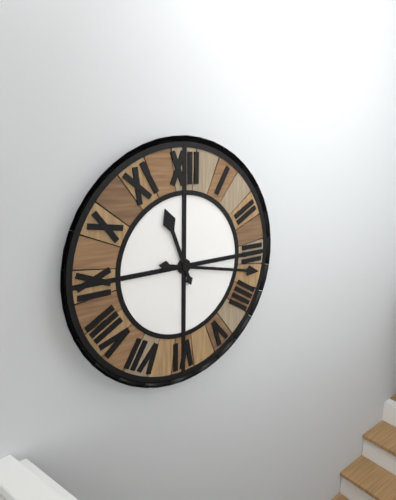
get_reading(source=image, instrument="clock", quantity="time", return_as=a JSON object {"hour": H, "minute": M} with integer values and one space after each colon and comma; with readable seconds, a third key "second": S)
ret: {"hour": 11, "minute": 17}
